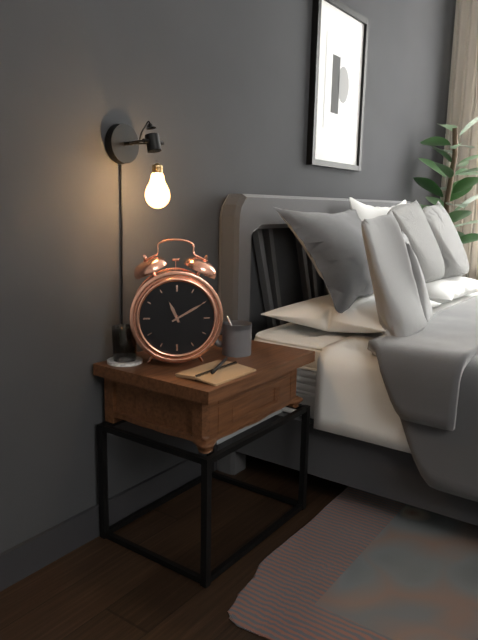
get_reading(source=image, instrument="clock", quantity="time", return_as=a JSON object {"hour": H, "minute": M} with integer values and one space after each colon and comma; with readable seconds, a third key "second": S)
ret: {"hour": 11, "minute": 10}
